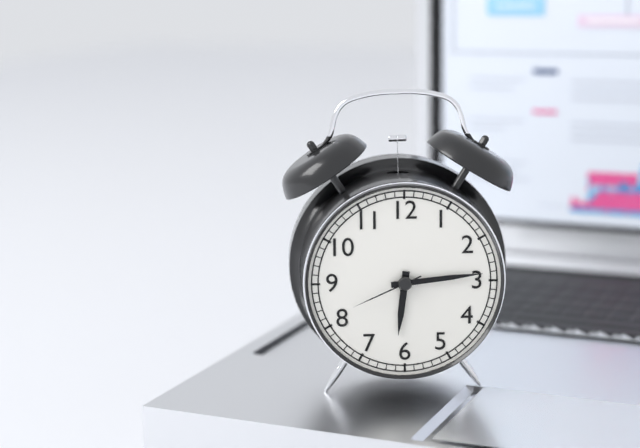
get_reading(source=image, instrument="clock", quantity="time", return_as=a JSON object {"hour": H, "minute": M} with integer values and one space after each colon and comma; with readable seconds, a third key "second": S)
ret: {"hour": 6, "minute": 14, "second": 41}
